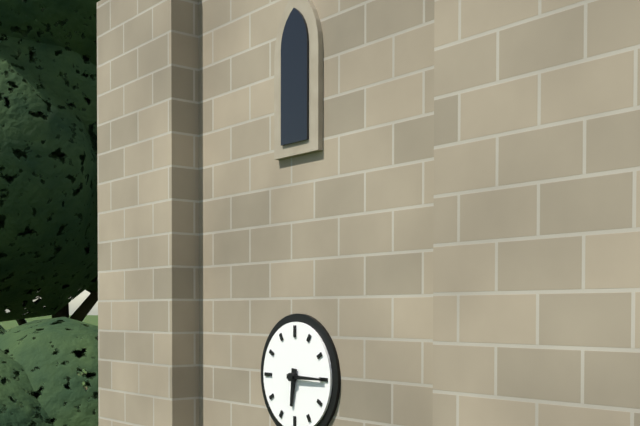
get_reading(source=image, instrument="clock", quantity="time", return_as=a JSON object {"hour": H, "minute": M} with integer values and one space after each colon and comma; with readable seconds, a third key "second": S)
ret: {"hour": 6, "minute": 15}
